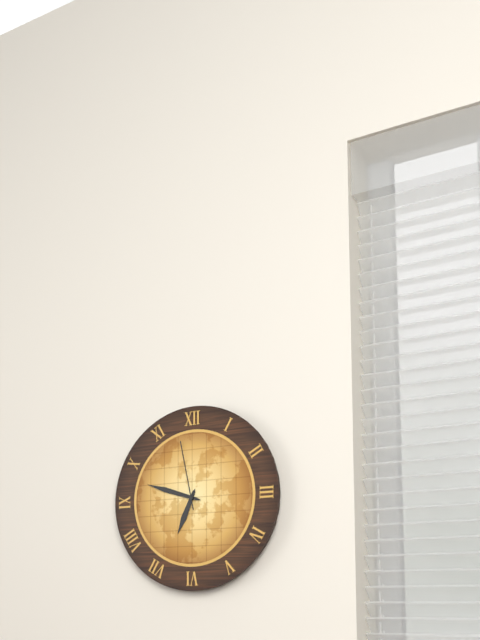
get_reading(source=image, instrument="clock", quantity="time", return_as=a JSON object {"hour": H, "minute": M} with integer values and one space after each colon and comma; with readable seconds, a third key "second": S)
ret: {"hour": 6, "minute": 48, "second": 58}
